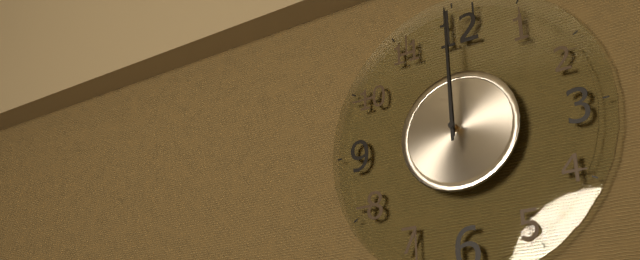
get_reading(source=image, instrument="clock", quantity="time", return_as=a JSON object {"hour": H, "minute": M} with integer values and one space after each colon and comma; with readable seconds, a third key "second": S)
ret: {"hour": 12, "minute": 0}
